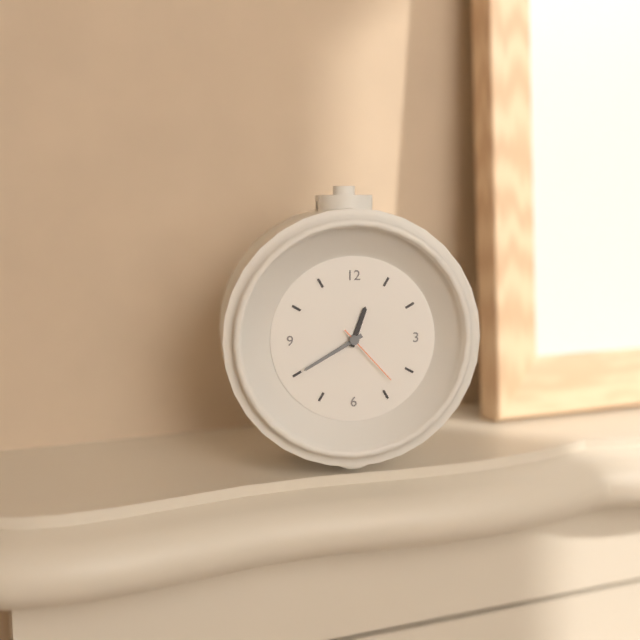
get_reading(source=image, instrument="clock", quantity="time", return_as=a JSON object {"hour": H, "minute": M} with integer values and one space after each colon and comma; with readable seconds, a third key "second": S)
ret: {"hour": 12, "minute": 40, "second": 23}
